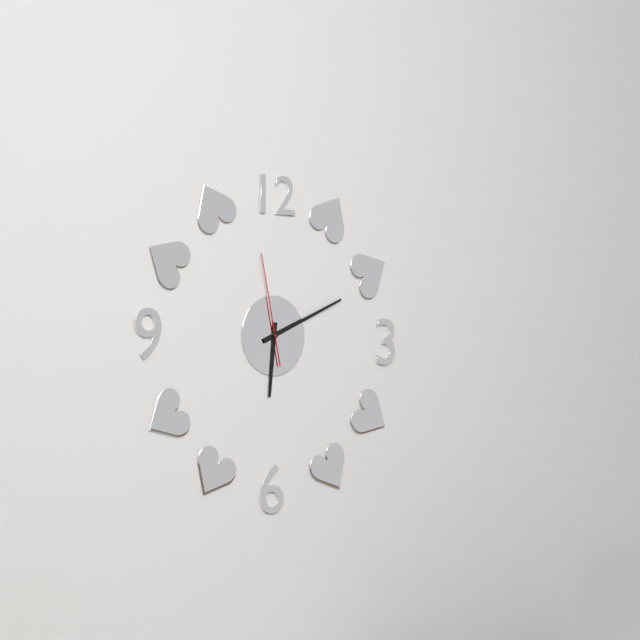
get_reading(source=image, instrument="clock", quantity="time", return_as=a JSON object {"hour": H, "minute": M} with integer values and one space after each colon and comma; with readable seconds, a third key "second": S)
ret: {"hour": 6, "minute": 11, "second": 58}
